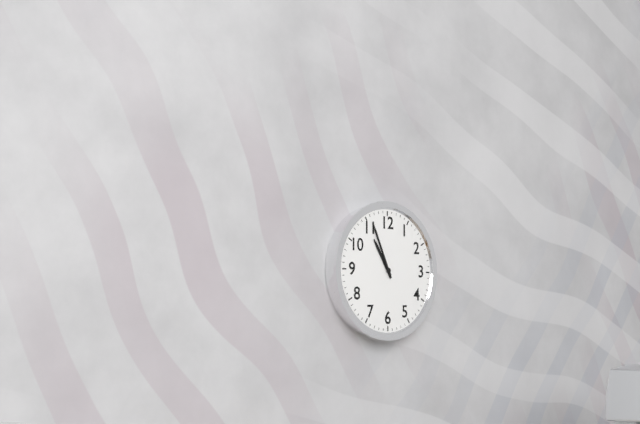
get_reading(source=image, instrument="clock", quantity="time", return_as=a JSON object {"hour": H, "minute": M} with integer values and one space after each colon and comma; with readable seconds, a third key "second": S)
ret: {"hour": 10, "minute": 56}
